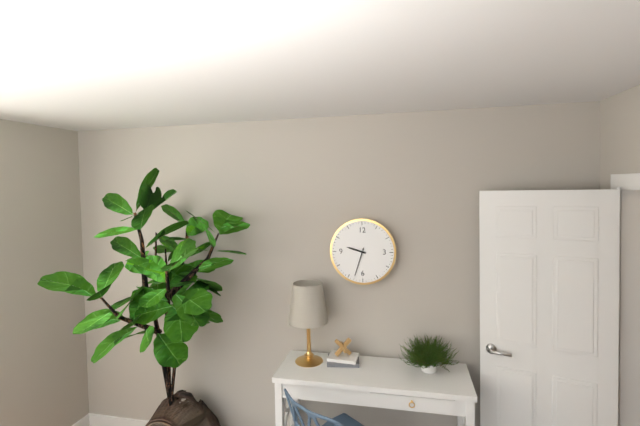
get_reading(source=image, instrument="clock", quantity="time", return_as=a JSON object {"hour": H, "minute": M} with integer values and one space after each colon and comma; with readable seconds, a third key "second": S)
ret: {"hour": 9, "minute": 33}
